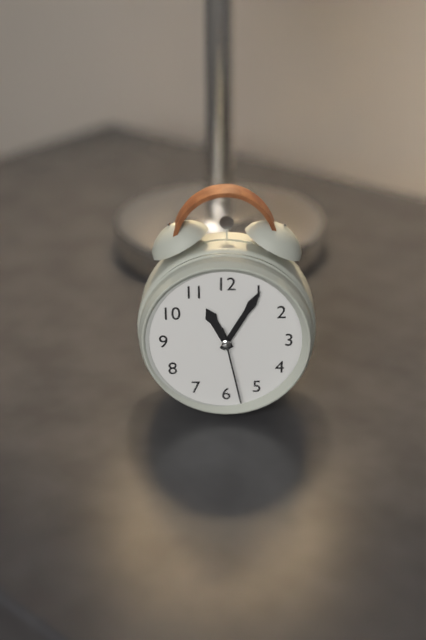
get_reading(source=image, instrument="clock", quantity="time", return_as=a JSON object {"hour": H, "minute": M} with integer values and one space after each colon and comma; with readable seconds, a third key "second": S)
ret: {"hour": 11, "minute": 5, "second": 28}
